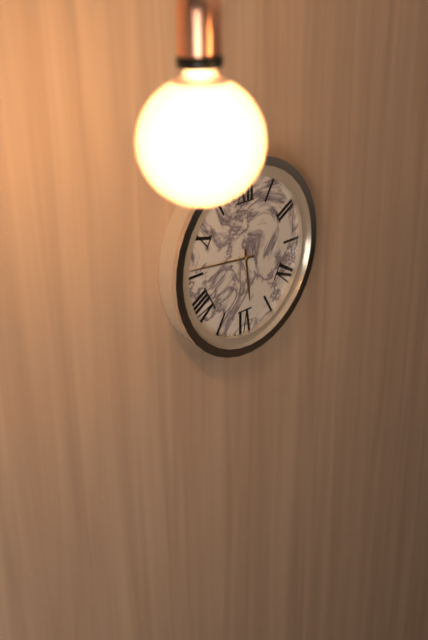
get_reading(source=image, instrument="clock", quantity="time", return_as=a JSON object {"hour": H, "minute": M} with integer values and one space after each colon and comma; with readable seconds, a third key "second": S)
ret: {"hour": 5, "minute": 46}
